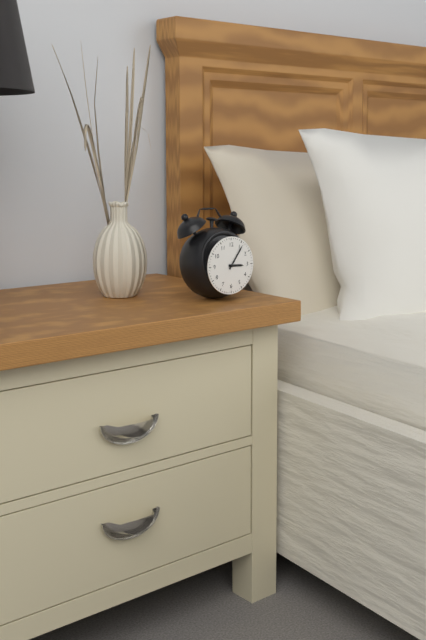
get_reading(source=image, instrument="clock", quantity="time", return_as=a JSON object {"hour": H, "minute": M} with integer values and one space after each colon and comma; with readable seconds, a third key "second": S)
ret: {"hour": 3, "minute": 6}
